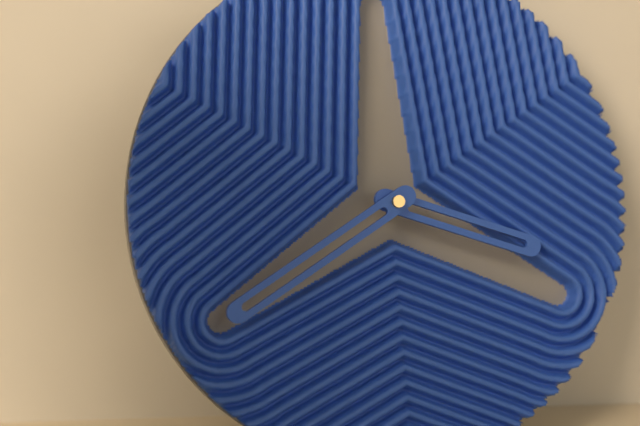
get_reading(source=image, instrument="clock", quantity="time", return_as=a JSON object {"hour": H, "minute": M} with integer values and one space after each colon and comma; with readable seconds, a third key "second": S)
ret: {"hour": 3, "minute": 40}
